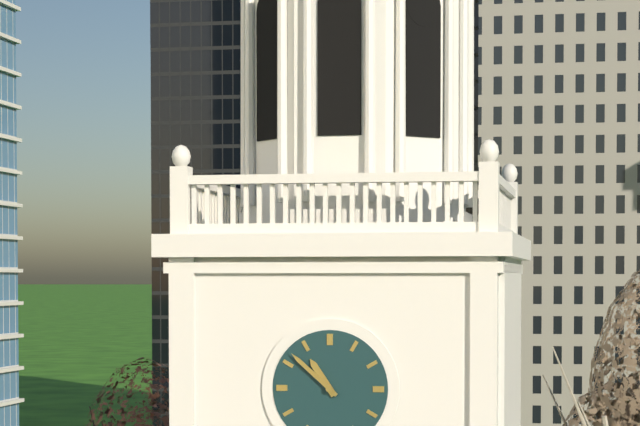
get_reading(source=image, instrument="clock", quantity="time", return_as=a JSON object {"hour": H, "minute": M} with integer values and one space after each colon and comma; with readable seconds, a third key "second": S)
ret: {"hour": 10, "minute": 52}
